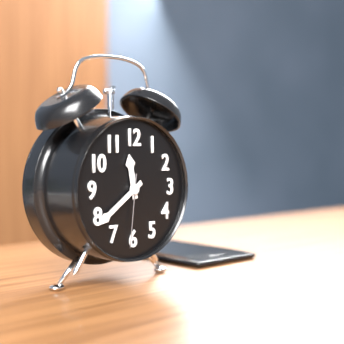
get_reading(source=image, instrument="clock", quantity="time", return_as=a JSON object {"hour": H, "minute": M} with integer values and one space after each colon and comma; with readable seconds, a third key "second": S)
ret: {"hour": 11, "minute": 39, "second": 31}
